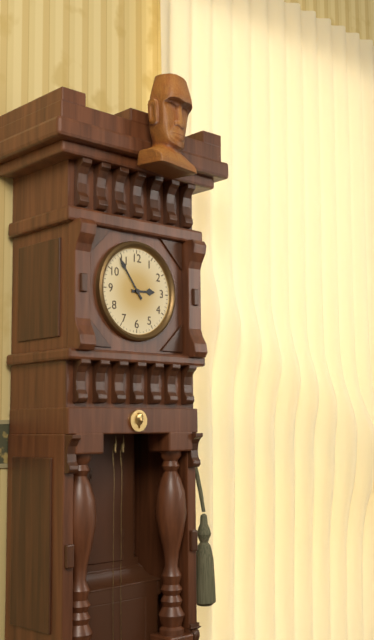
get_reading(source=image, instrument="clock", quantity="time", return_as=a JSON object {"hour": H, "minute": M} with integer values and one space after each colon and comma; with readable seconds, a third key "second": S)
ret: {"hour": 2, "minute": 54}
